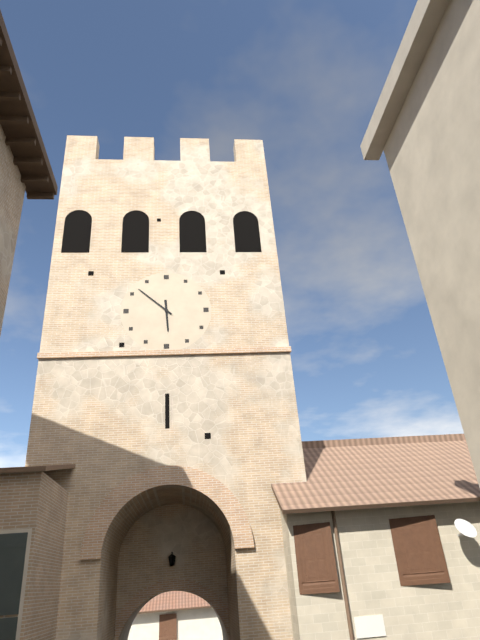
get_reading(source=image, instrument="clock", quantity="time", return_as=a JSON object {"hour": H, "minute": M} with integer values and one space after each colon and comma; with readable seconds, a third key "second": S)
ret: {"hour": 5, "minute": 52}
